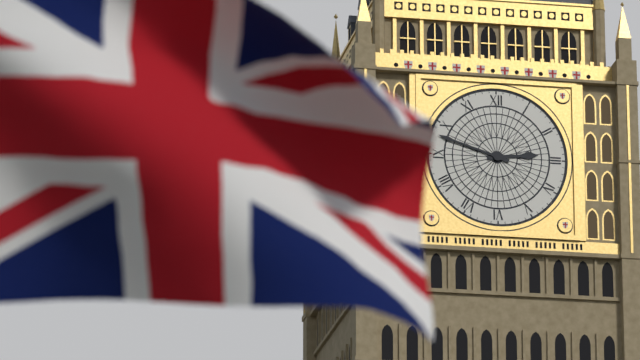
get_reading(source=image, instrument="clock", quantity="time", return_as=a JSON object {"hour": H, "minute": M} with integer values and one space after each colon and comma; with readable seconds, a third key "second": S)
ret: {"hour": 2, "minute": 48}
